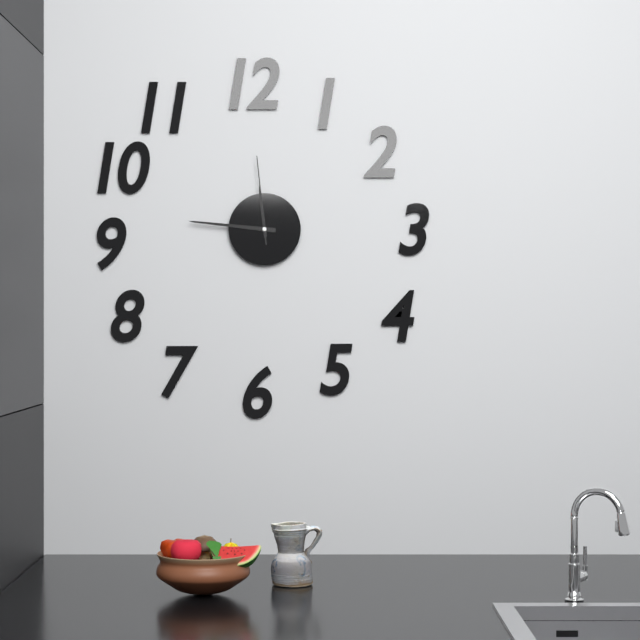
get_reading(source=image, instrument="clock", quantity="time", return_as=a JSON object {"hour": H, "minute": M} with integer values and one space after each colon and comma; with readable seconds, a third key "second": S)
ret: {"hour": 11, "minute": 46, "second": 59}
